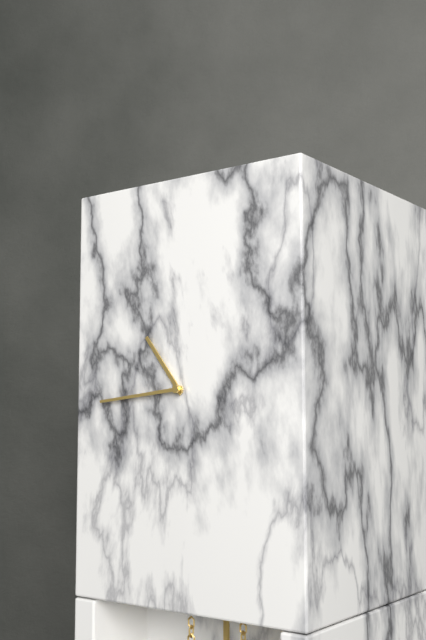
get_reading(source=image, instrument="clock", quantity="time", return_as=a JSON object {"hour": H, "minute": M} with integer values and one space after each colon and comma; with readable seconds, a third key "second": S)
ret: {"hour": 10, "minute": 44}
